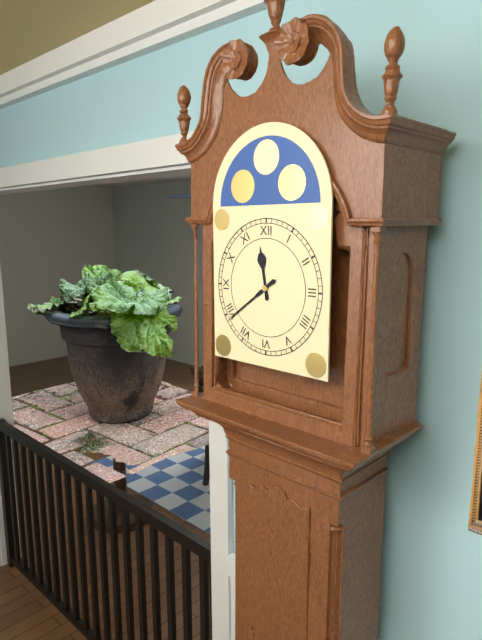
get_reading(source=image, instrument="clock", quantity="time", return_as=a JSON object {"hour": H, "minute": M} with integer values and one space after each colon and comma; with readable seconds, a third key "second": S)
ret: {"hour": 11, "minute": 39}
